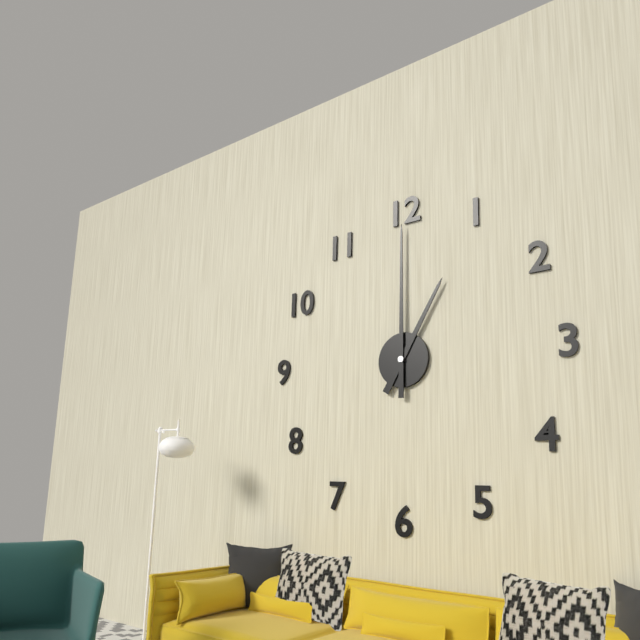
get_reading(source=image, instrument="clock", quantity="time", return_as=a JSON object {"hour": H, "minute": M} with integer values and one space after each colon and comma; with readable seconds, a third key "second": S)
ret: {"hour": 1, "minute": 0}
